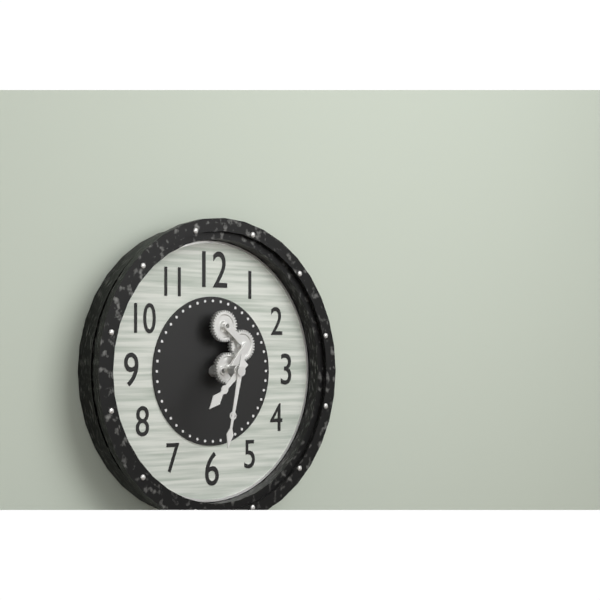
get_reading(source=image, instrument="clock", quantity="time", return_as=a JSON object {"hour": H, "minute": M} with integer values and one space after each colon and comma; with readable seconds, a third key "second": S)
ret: {"hour": 7, "minute": 32}
